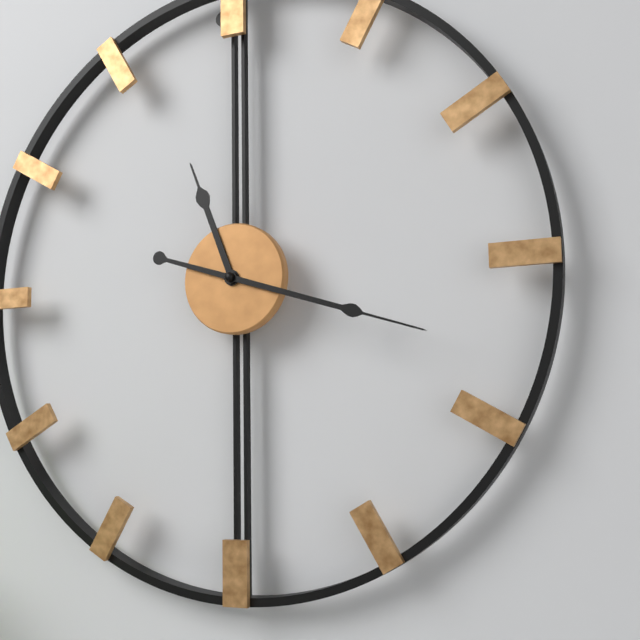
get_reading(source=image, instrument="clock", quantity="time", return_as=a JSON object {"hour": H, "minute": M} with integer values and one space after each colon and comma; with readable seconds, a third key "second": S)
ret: {"hour": 11, "minute": 18}
